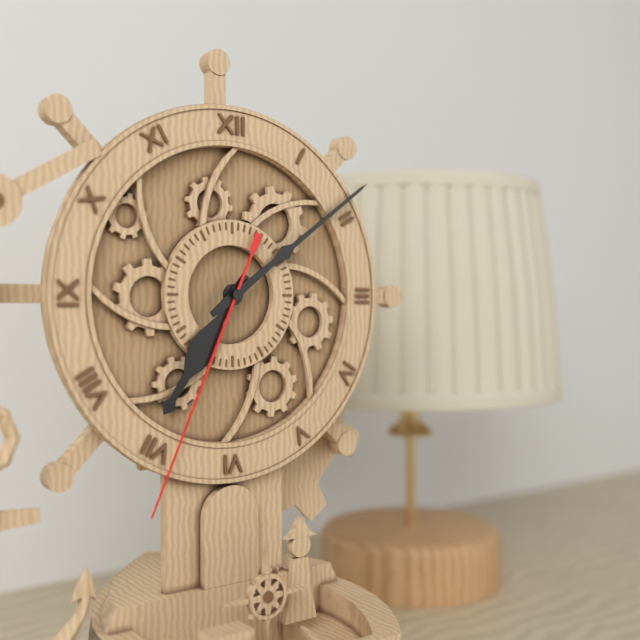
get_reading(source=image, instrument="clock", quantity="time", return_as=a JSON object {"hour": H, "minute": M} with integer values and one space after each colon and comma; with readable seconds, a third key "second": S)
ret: {"hour": 7, "minute": 9, "second": 34}
